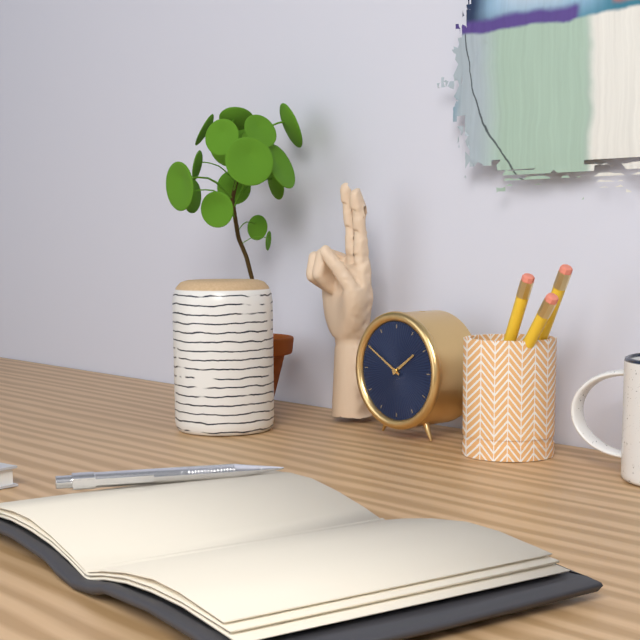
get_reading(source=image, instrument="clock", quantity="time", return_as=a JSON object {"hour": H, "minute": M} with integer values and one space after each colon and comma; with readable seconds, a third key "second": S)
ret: {"hour": 1, "minute": 50}
